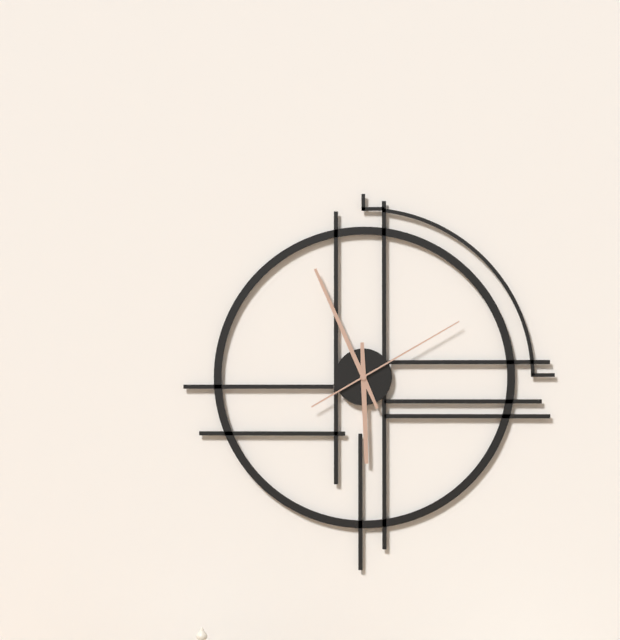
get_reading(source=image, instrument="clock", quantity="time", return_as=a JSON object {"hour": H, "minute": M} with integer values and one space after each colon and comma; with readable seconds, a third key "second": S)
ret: {"hour": 5, "minute": 56, "second": 10}
